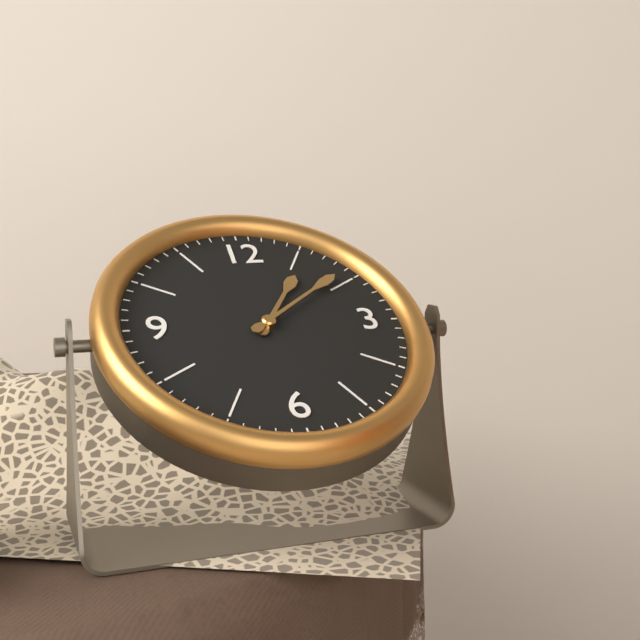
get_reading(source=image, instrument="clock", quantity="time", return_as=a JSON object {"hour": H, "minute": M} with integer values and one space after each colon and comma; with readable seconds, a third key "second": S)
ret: {"hour": 1, "minute": 9}
